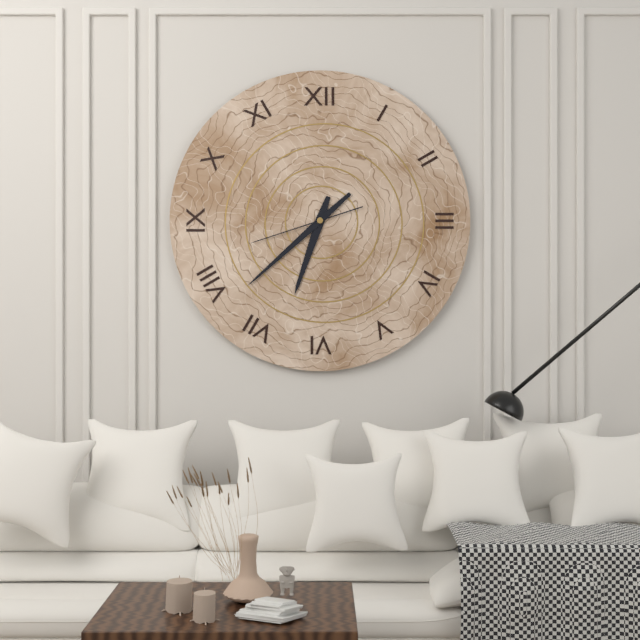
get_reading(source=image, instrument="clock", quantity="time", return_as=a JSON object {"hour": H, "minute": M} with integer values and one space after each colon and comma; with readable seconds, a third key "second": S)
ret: {"hour": 6, "minute": 38, "second": 42}
